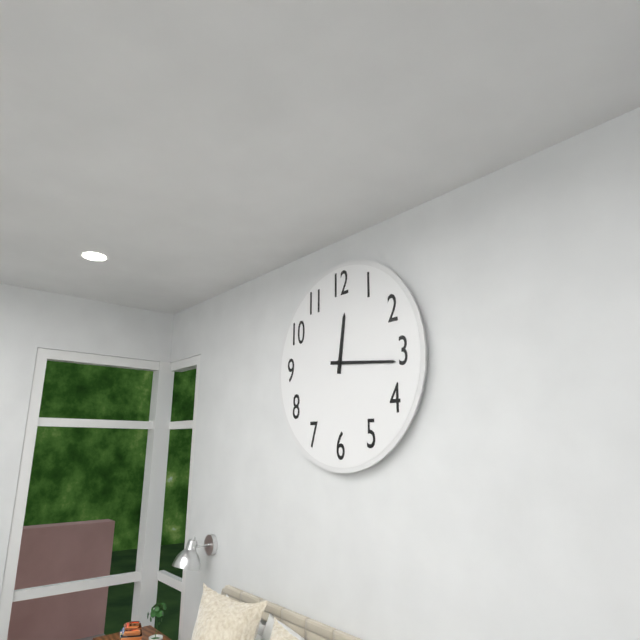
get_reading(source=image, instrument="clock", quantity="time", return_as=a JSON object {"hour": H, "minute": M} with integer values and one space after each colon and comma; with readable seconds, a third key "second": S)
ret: {"hour": 12, "minute": 16}
